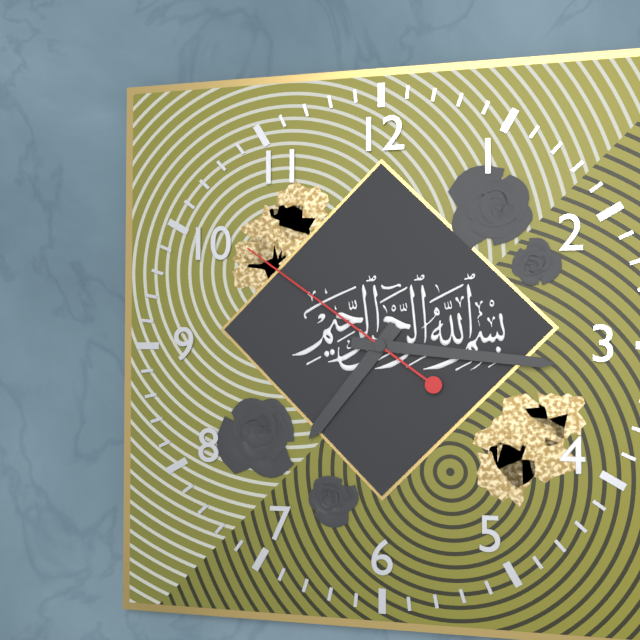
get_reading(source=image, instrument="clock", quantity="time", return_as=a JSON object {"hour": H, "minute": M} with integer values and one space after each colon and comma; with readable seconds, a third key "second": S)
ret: {"hour": 7, "minute": 16, "second": 51}
